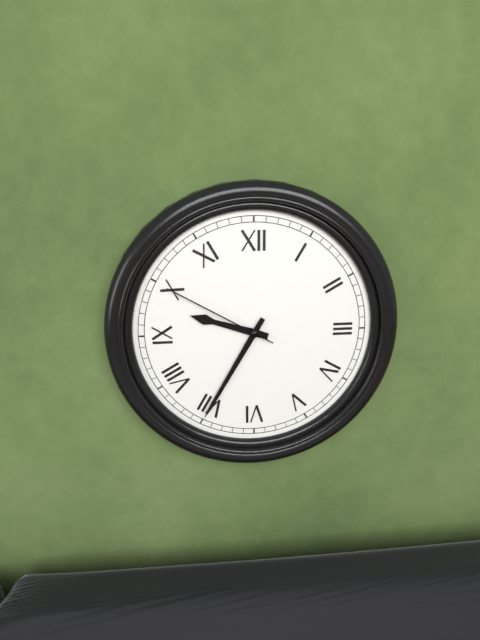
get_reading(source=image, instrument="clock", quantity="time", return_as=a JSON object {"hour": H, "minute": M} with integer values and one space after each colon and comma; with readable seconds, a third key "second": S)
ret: {"hour": 9, "minute": 35, "second": 50}
